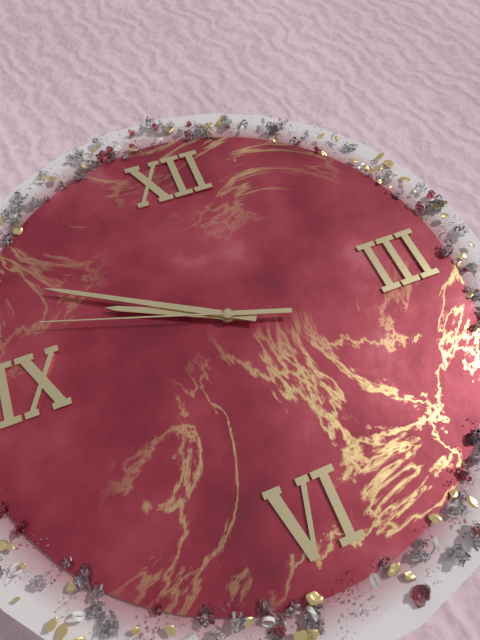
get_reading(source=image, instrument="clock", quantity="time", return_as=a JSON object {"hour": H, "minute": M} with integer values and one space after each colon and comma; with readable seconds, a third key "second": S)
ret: {"hour": 9, "minute": 50, "second": 48}
